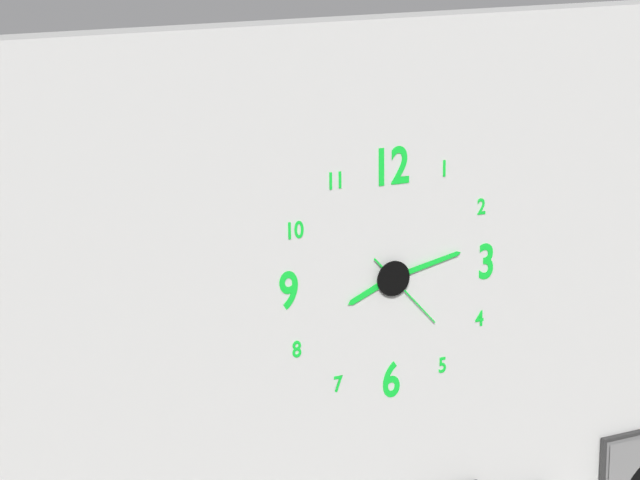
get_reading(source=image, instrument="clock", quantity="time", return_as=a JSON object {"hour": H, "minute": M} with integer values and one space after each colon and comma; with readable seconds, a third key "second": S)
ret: {"hour": 8, "minute": 13, "second": 23}
